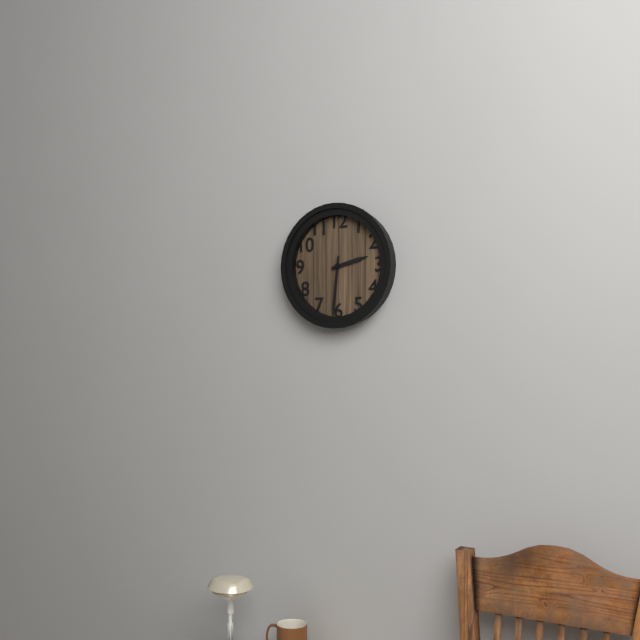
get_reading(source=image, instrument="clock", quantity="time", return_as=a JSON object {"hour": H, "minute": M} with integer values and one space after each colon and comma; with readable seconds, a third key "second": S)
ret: {"hour": 2, "minute": 31}
